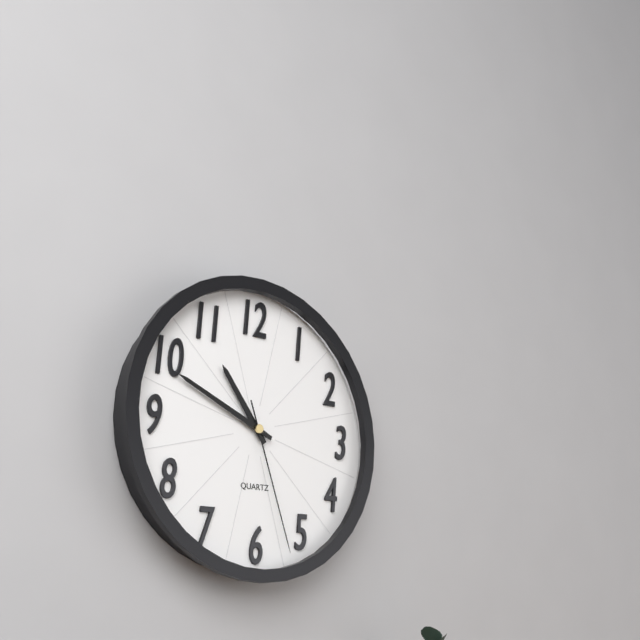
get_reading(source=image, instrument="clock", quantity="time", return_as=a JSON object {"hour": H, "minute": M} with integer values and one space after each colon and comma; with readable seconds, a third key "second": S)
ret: {"hour": 10, "minute": 49, "second": 27}
